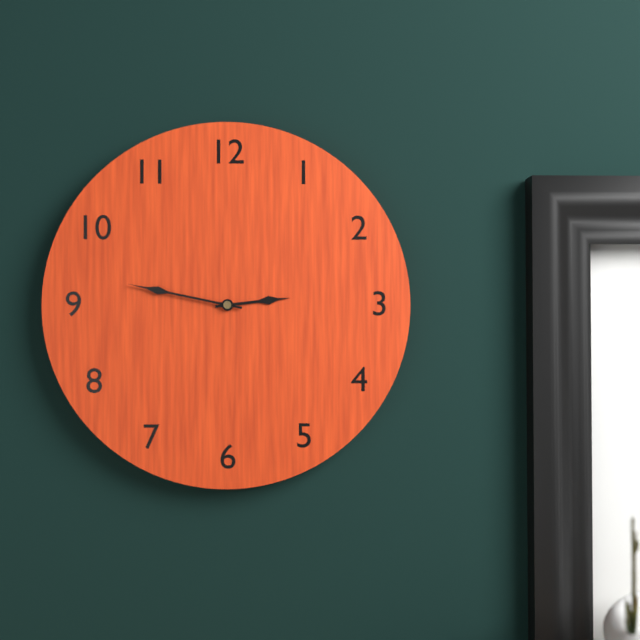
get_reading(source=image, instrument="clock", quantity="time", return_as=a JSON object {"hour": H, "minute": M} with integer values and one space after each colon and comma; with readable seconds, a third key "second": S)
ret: {"hour": 2, "minute": 47}
